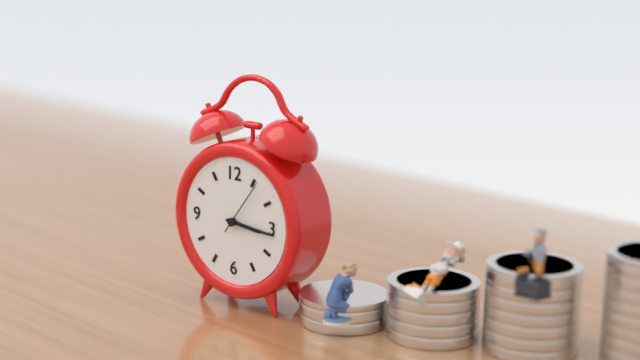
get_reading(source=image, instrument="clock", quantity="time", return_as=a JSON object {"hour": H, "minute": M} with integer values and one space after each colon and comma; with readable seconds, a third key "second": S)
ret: {"hour": 3, "minute": 16, "second": 6}
